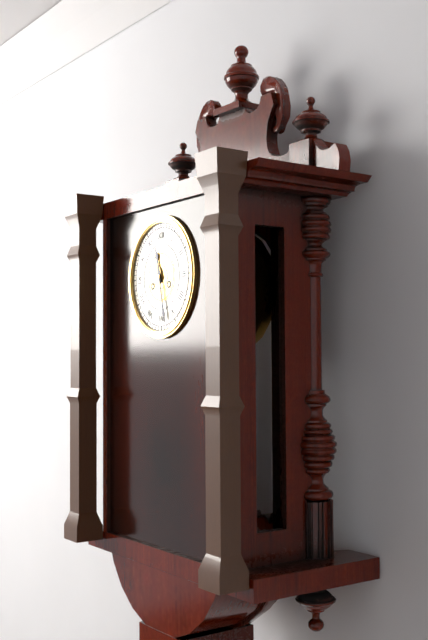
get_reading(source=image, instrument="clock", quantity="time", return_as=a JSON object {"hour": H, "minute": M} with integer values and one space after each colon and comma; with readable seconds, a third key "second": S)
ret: {"hour": 11, "minute": 28}
